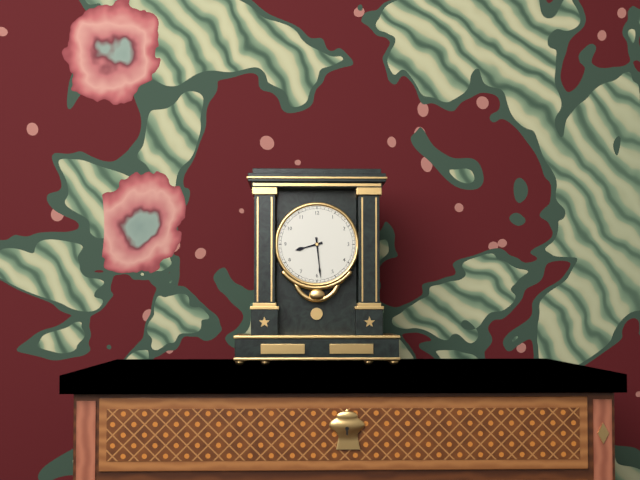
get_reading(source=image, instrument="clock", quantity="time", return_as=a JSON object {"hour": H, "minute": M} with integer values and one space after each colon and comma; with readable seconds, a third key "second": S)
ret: {"hour": 8, "minute": 29}
